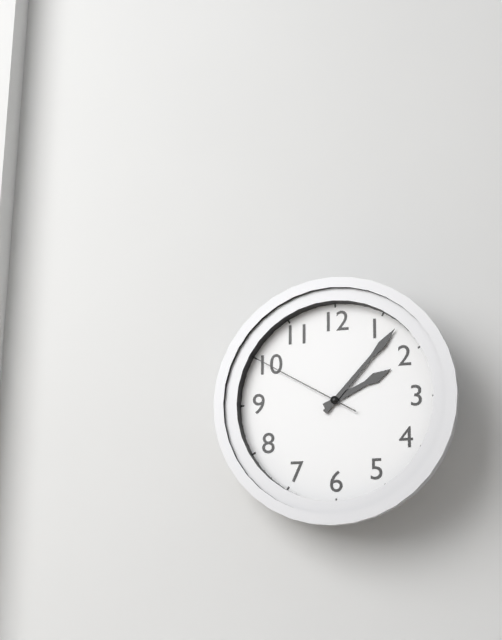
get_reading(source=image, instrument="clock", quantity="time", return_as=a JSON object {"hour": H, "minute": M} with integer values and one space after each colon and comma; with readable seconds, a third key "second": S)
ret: {"hour": 2, "minute": 7, "second": 50}
